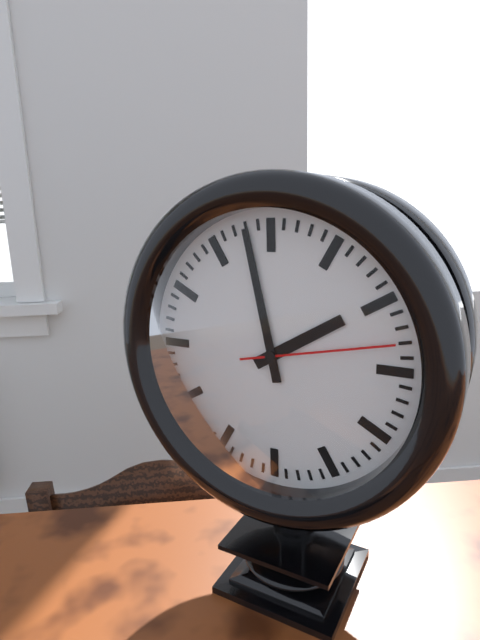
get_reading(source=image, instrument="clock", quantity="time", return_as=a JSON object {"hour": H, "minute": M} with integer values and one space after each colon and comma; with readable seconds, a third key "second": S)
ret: {"hour": 1, "minute": 58, "second": 13}
